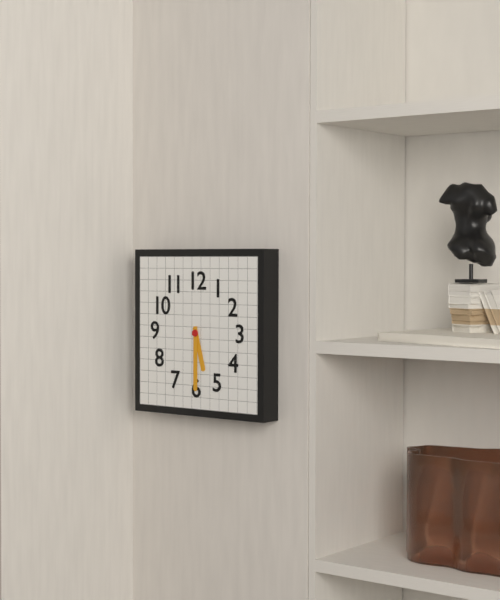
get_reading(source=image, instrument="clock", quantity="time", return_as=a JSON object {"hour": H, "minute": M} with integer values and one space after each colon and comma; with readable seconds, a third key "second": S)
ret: {"hour": 5, "minute": 30}
